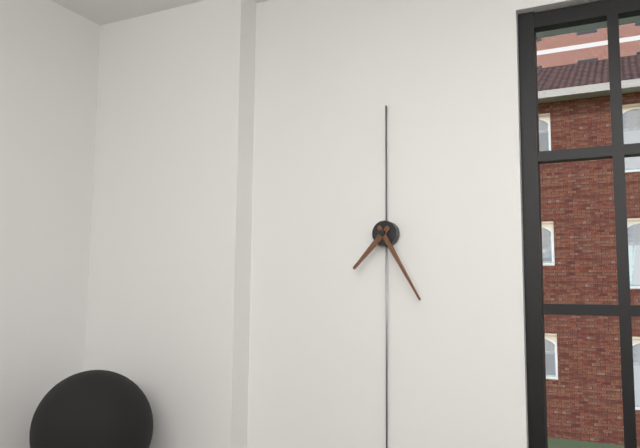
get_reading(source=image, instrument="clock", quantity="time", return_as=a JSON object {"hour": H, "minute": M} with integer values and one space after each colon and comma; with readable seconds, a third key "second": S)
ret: {"hour": 7, "minute": 25}
